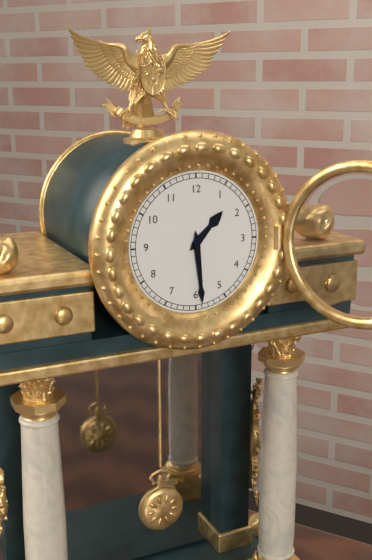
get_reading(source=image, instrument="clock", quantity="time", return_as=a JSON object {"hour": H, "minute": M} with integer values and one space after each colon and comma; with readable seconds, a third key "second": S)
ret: {"hour": 1, "minute": 29}
